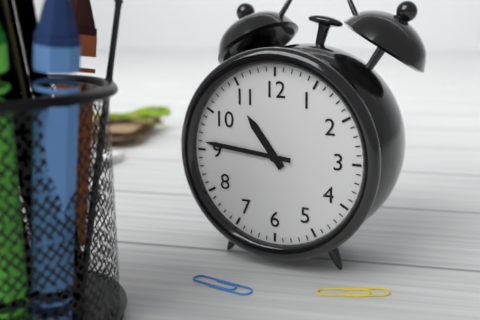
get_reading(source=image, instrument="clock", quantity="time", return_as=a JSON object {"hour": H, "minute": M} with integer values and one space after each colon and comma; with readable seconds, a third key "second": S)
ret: {"hour": 10, "minute": 46}
